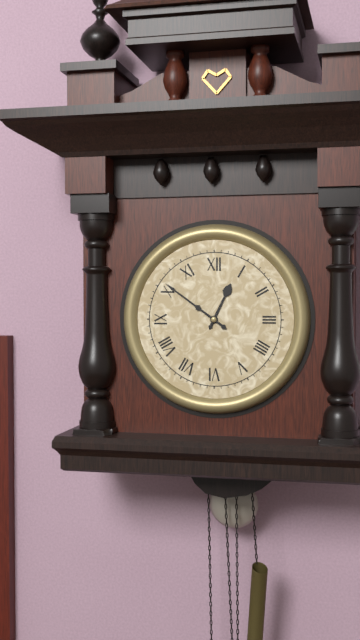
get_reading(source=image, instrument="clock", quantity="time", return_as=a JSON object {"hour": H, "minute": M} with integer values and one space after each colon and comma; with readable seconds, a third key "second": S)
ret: {"hour": 12, "minute": 51}
